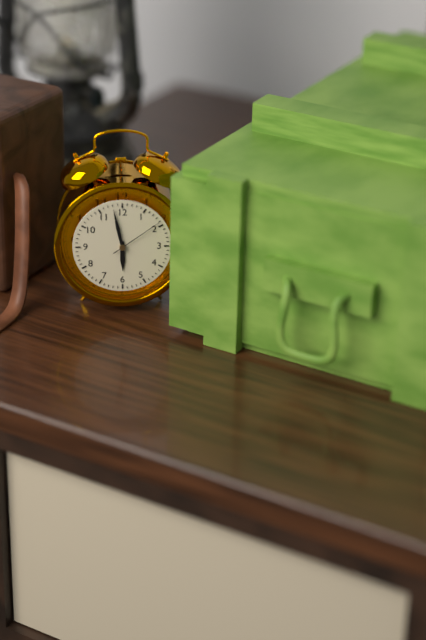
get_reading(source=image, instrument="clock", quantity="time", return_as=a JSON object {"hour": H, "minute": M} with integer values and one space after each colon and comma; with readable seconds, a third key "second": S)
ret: {"hour": 5, "minute": 58, "second": 9}
